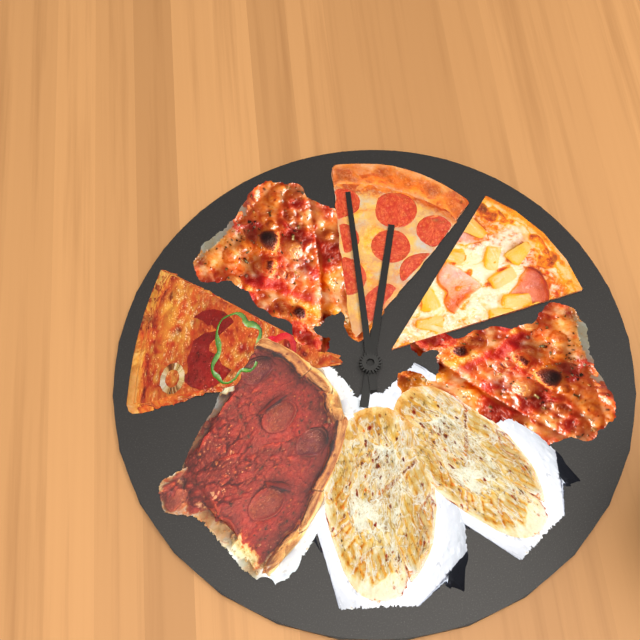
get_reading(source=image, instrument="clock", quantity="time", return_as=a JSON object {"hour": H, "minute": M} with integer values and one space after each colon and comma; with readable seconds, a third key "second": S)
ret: {"hour": 6, "minute": 30}
